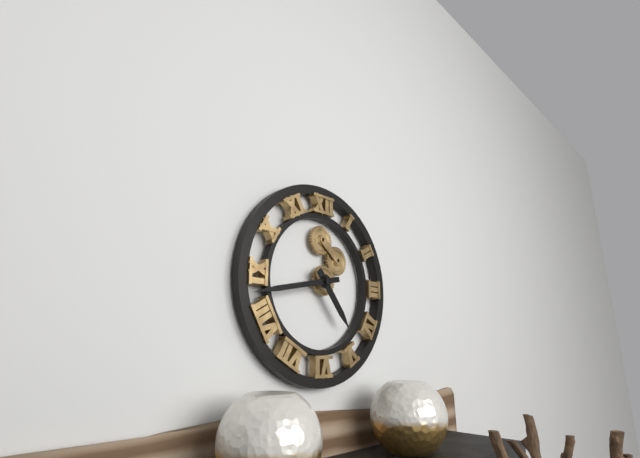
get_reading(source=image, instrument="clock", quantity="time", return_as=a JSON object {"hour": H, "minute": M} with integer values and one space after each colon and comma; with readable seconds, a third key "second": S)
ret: {"hour": 4, "minute": 43}
